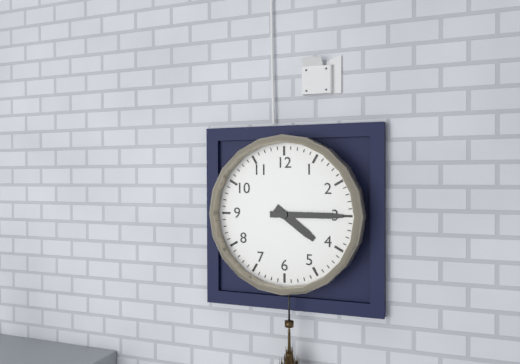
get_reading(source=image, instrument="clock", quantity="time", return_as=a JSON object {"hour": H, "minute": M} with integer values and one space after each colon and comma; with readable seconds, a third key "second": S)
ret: {"hour": 4, "minute": 15}
